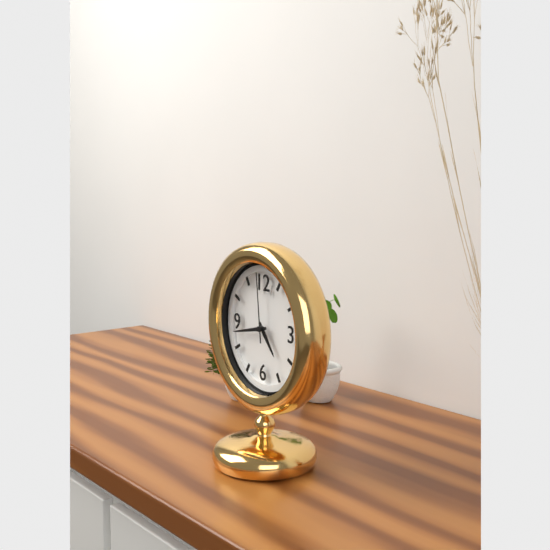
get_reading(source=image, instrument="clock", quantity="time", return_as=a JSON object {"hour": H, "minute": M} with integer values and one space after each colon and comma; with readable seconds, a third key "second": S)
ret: {"hour": 4, "minute": 43, "second": 59}
